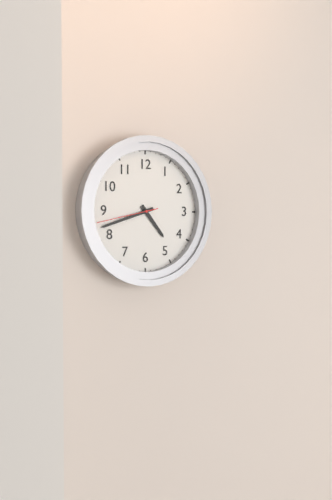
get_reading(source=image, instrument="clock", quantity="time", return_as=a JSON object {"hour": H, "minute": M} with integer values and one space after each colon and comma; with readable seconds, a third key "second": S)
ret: {"hour": 4, "minute": 42, "second": 43}
